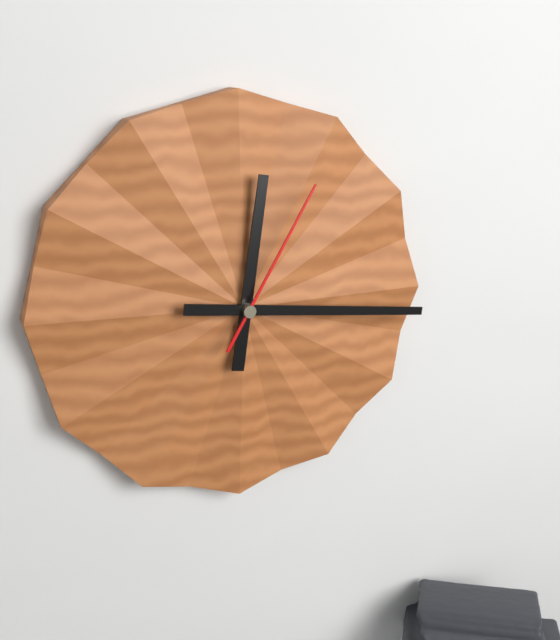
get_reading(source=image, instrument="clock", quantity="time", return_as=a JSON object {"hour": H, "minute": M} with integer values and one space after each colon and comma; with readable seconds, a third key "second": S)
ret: {"hour": 12, "minute": 16, "second": 5}
